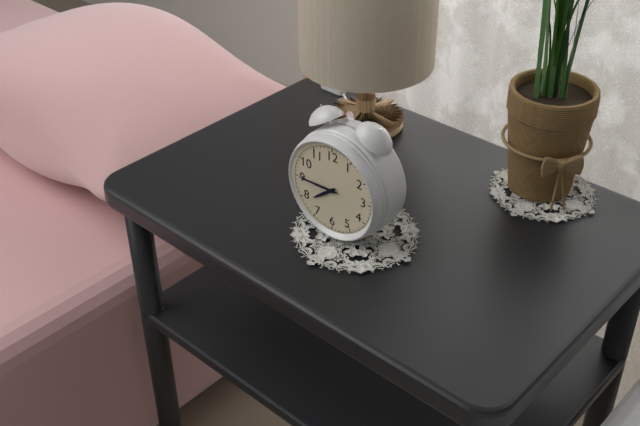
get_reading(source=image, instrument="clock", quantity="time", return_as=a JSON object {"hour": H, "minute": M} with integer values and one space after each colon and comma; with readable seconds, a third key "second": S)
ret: {"hour": 7, "minute": 45}
